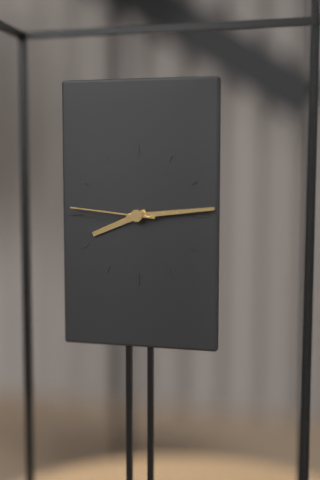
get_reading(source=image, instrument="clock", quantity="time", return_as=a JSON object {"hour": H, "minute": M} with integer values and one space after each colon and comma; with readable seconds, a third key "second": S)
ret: {"hour": 8, "minute": 14, "second": 46}
